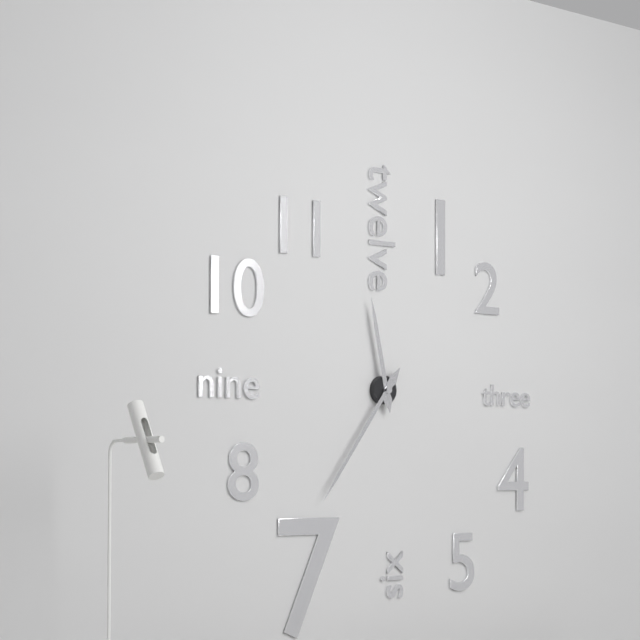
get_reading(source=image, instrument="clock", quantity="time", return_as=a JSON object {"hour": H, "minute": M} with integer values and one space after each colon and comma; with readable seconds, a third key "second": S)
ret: {"hour": 11, "minute": 36}
